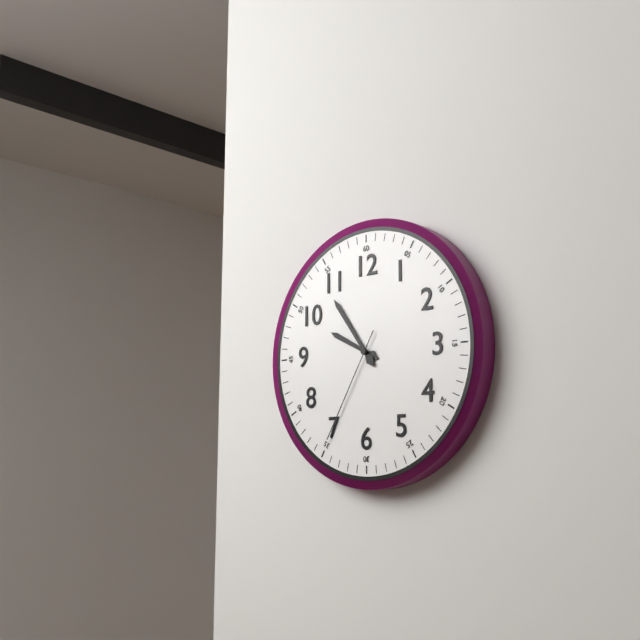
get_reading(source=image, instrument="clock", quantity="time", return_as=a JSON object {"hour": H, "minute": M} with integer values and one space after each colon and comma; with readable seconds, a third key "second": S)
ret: {"hour": 9, "minute": 54, "second": 35}
